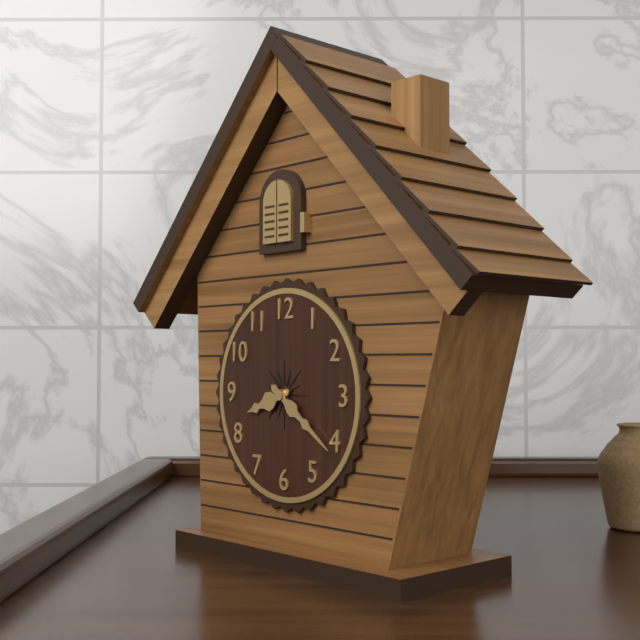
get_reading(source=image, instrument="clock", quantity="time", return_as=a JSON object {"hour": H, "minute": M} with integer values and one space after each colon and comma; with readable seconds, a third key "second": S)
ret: {"hour": 8, "minute": 21}
